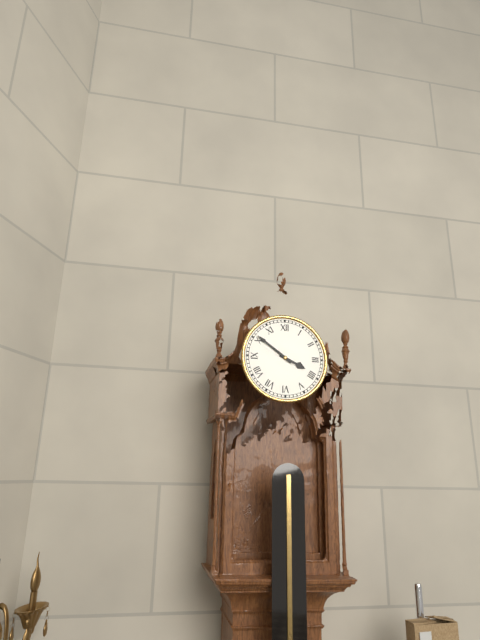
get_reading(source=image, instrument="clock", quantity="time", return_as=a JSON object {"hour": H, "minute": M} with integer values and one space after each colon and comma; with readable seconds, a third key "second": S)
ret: {"hour": 3, "minute": 51}
